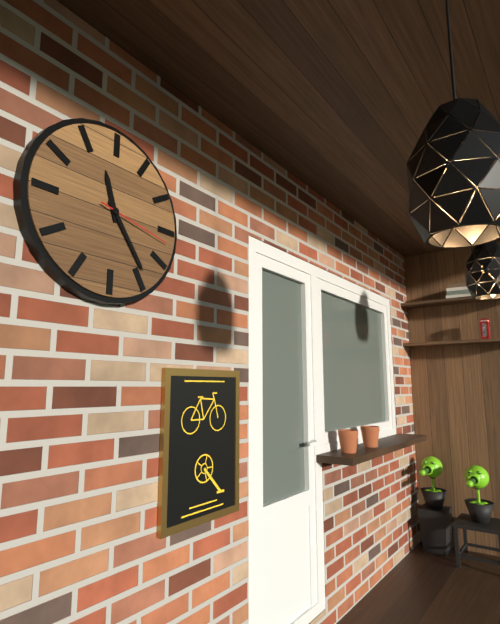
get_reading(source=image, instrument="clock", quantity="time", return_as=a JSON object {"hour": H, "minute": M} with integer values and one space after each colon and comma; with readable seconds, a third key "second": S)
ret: {"hour": 11, "minute": 24, "second": 17}
